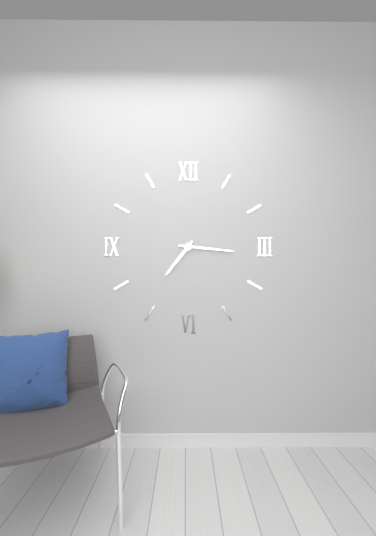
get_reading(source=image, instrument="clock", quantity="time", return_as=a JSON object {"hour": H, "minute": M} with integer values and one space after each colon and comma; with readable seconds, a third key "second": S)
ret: {"hour": 7, "minute": 16}
